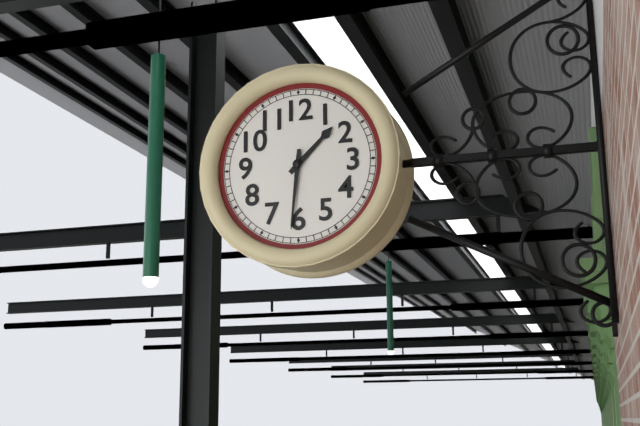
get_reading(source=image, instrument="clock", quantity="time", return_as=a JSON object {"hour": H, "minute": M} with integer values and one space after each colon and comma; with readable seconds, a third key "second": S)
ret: {"hour": 1, "minute": 31}
